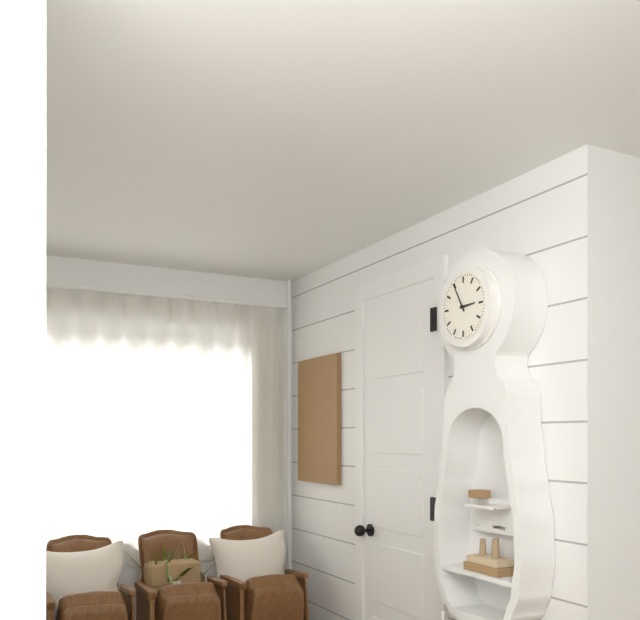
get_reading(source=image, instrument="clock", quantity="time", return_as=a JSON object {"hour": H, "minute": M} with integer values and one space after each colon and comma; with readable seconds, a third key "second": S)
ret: {"hour": 2, "minute": 55}
